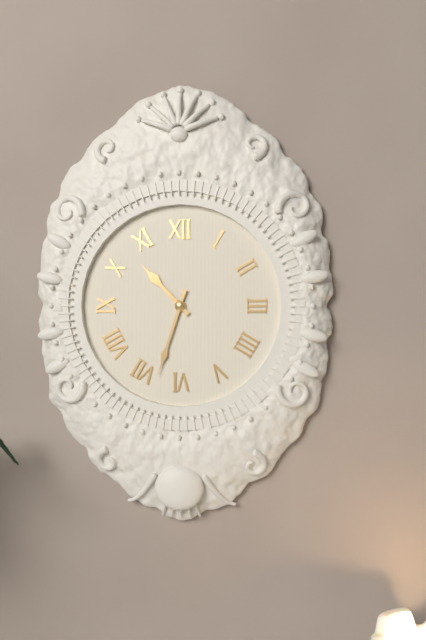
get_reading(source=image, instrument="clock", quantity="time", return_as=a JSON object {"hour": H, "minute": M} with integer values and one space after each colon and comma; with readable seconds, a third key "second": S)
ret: {"hour": 10, "minute": 33}
